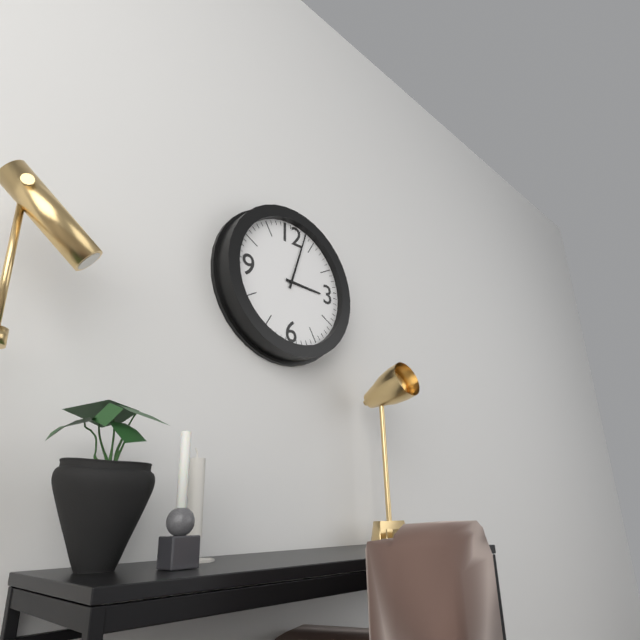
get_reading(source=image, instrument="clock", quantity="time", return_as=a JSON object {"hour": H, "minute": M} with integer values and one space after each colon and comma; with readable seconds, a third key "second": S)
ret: {"hour": 3, "minute": 3}
